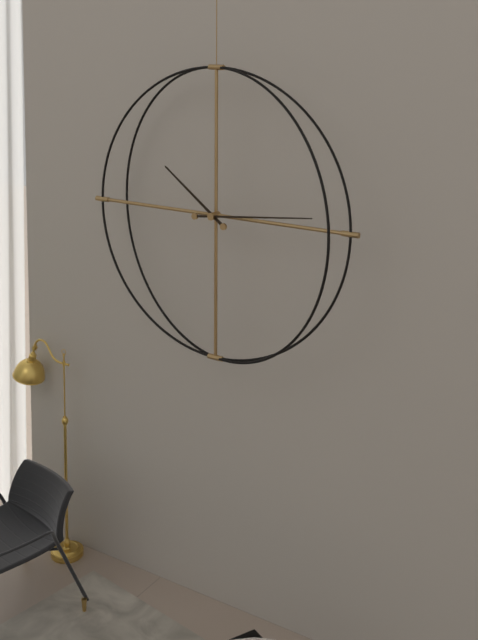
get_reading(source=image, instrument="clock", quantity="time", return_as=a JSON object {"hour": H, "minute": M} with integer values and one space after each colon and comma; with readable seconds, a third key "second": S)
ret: {"hour": 10, "minute": 14}
